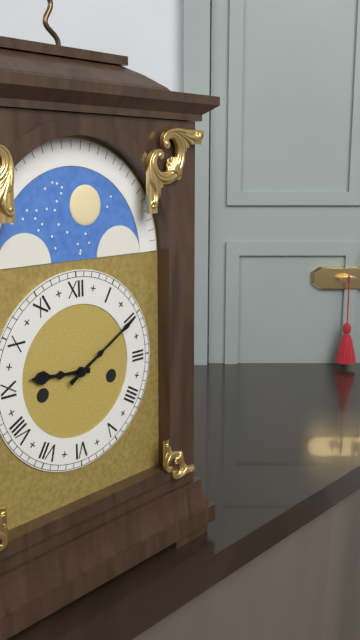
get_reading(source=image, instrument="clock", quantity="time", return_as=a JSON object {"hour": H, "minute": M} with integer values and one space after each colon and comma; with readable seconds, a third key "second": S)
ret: {"hour": 9, "minute": 10}
